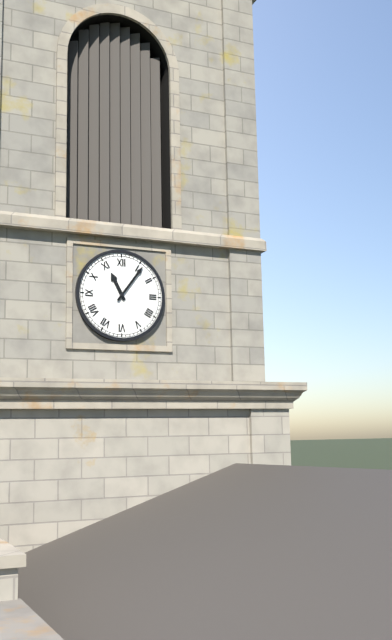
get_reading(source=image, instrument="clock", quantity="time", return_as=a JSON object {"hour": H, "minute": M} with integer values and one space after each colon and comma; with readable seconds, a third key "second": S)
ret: {"hour": 11, "minute": 6}
